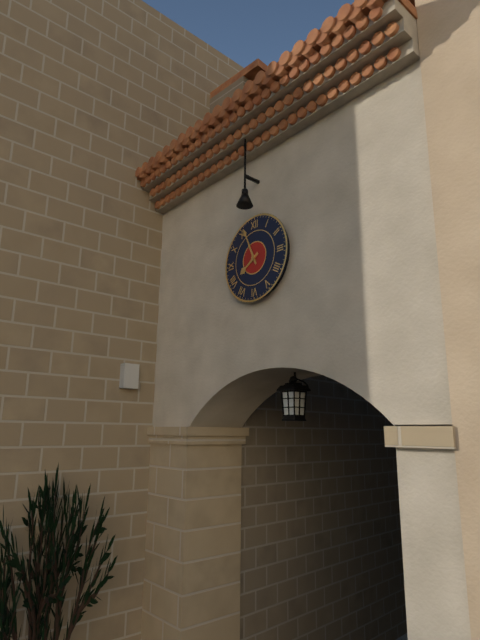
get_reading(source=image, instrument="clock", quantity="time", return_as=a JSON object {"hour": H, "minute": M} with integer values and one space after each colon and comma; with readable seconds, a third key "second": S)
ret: {"hour": 7, "minute": 56}
